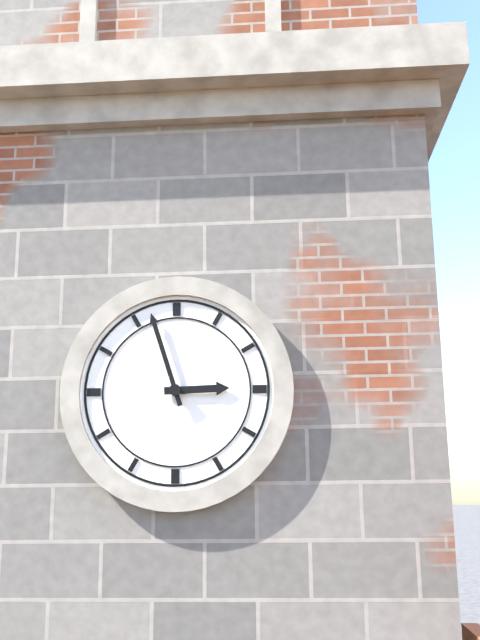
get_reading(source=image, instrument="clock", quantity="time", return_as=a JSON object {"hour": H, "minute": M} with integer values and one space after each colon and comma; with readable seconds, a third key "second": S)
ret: {"hour": 2, "minute": 57}
